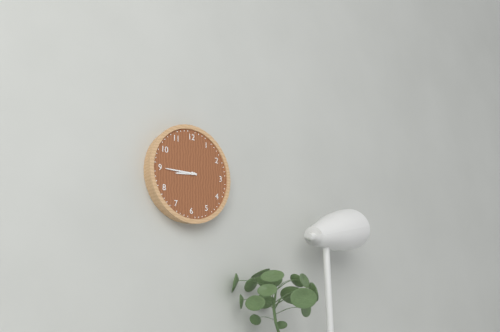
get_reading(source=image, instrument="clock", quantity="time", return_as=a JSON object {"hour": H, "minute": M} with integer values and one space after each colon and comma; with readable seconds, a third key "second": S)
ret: {"hour": 8, "minute": 45}
